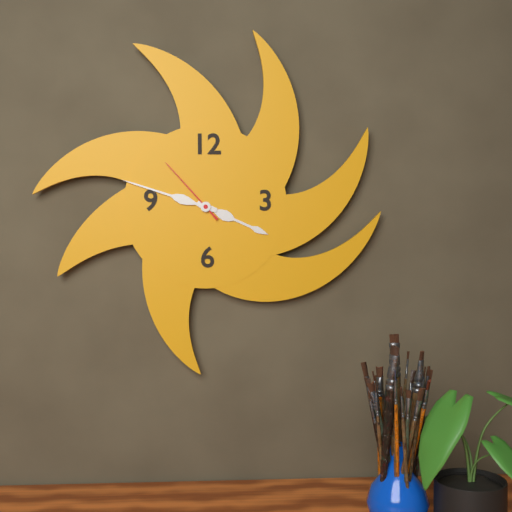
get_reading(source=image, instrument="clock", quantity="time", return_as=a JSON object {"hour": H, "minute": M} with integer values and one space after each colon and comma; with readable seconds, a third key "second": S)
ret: {"hour": 3, "minute": 48, "second": 53}
